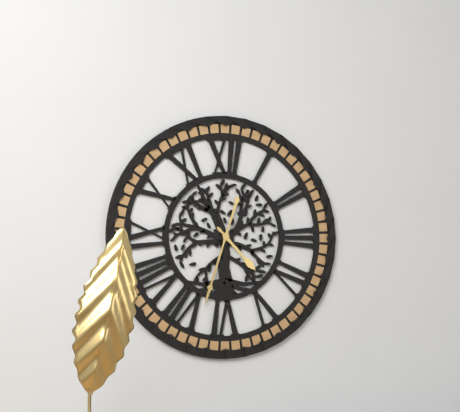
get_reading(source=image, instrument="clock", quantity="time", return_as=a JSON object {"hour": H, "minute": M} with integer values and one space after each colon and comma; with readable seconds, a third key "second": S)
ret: {"hour": 4, "minute": 33}
